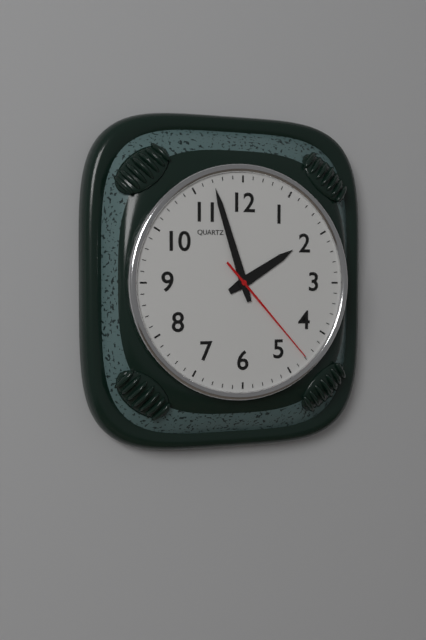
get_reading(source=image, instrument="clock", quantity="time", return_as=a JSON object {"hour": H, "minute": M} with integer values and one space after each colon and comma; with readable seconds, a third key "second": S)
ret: {"hour": 1, "minute": 57, "second": 23}
